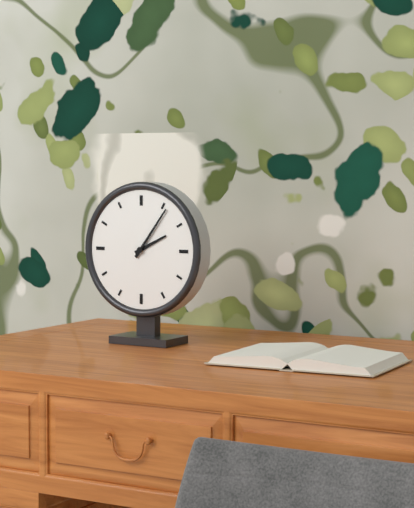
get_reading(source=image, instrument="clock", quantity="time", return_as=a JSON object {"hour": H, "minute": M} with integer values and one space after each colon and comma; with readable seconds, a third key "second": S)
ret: {"hour": 2, "minute": 6}
